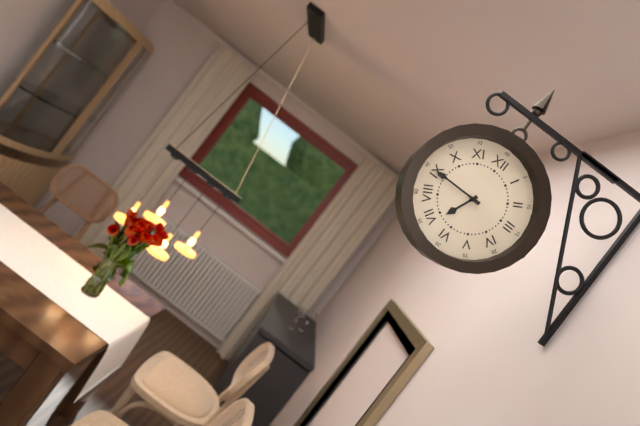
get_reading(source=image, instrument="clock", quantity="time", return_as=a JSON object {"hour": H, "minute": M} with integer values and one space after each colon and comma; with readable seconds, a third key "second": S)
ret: {"hour": 6, "minute": 45}
